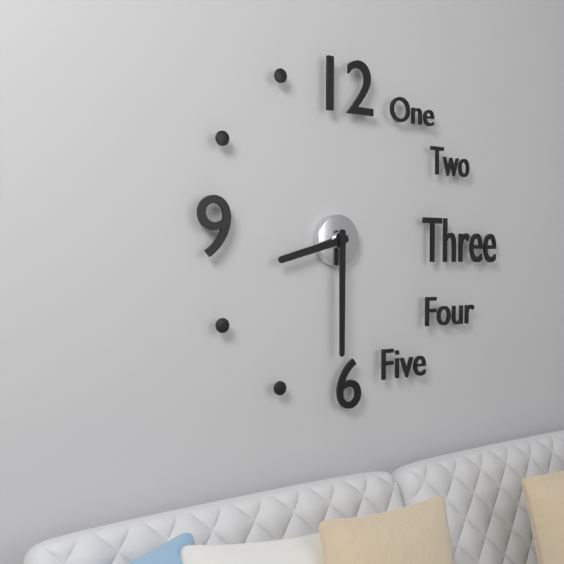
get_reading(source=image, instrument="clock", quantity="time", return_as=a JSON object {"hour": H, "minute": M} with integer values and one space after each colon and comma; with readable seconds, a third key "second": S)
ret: {"hour": 8, "minute": 30}
